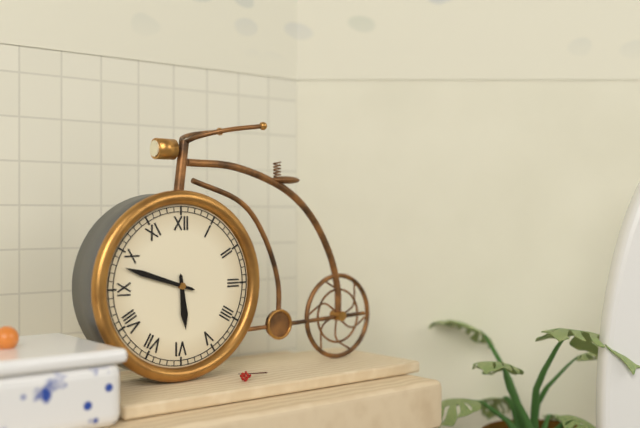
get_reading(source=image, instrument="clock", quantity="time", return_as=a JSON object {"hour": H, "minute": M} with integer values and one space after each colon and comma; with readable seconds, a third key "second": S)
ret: {"hour": 5, "minute": 48}
